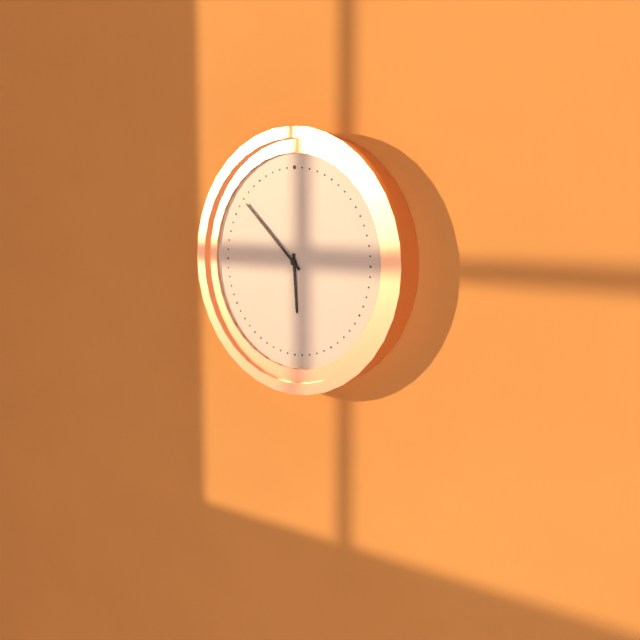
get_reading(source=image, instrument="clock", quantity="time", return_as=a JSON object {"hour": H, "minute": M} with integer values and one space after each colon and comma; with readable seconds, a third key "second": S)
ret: {"hour": 5, "minute": 52}
